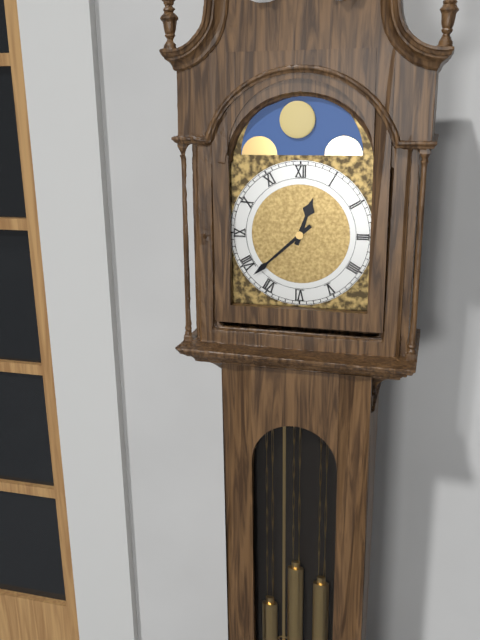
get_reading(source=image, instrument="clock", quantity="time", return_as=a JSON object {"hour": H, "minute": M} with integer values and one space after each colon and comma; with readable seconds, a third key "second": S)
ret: {"hour": 12, "minute": 38}
